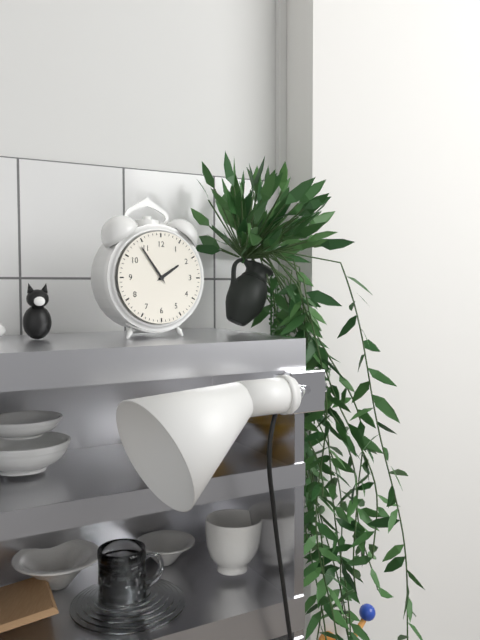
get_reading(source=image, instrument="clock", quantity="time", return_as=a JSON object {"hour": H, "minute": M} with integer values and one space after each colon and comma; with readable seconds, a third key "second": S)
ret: {"hour": 1, "minute": 54}
